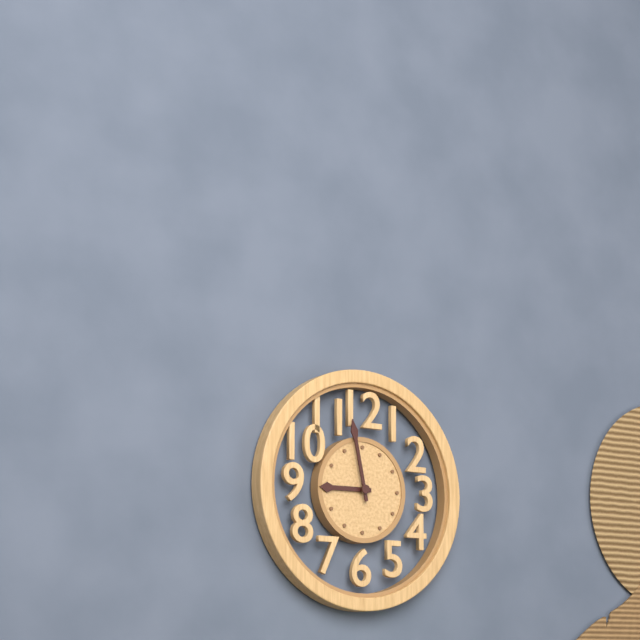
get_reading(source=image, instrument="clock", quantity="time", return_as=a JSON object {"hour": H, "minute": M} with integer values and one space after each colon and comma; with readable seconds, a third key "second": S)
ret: {"hour": 8, "minute": 58}
